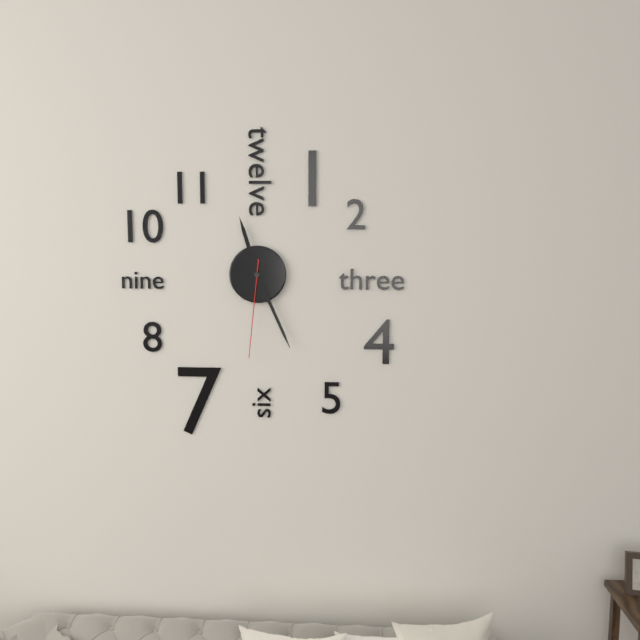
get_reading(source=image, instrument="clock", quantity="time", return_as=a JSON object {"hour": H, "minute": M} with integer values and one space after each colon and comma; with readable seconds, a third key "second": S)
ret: {"hour": 11, "minute": 26, "second": 31}
